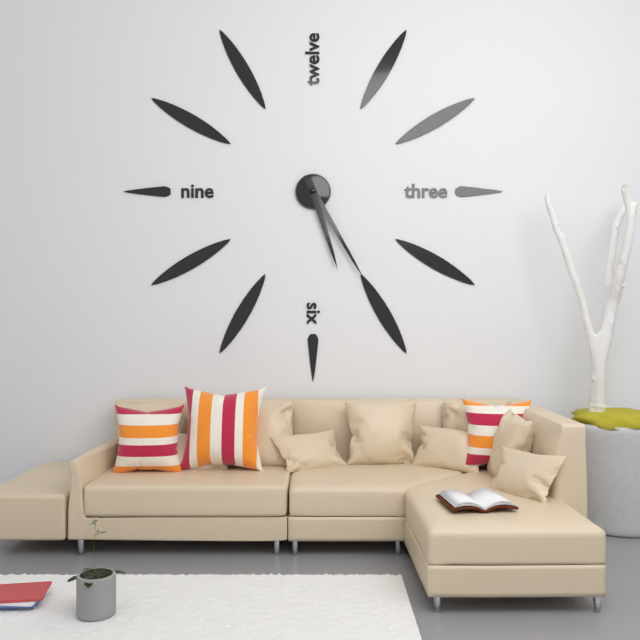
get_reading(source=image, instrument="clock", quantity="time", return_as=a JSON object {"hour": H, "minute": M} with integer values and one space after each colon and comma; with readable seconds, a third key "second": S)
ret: {"hour": 5, "minute": 25}
